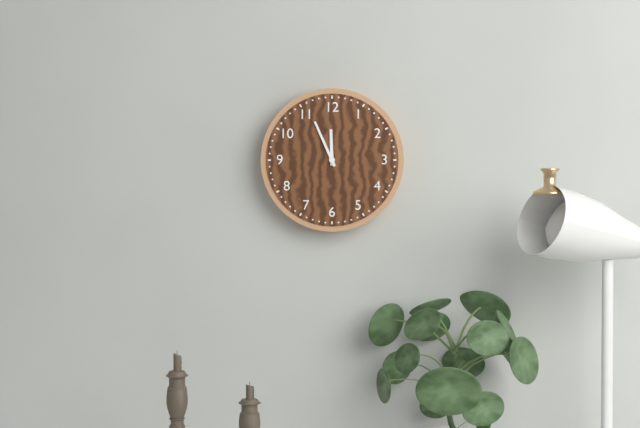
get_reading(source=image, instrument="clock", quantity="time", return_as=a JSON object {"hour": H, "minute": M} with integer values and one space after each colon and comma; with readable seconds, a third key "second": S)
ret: {"hour": 11, "minute": 56}
